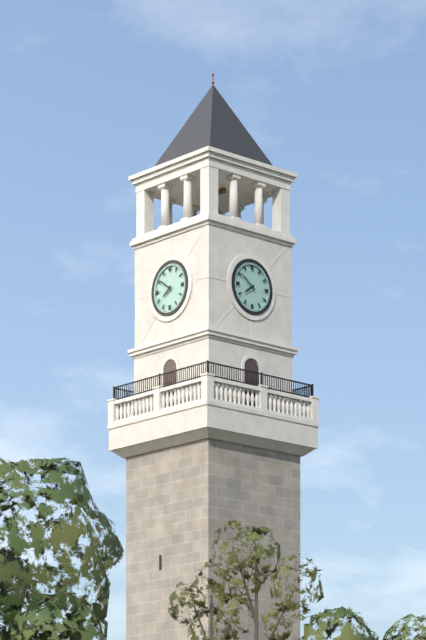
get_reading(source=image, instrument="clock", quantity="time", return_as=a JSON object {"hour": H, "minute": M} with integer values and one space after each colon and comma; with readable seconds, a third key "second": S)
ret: {"hour": 7, "minute": 51}
